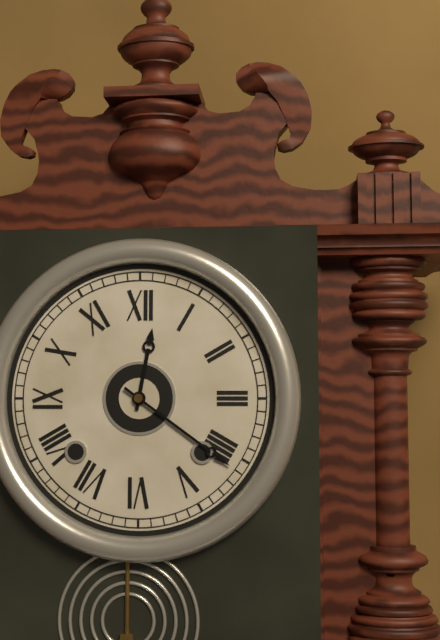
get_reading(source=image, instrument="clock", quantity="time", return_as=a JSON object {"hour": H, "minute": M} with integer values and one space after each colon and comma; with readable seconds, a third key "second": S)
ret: {"hour": 12, "minute": 21}
